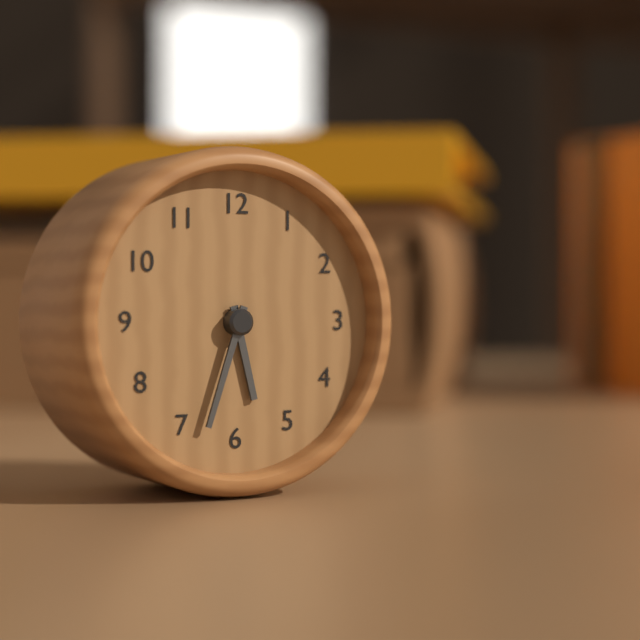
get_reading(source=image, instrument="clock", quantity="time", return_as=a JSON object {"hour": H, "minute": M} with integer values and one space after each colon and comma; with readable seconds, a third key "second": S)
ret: {"hour": 5, "minute": 33}
